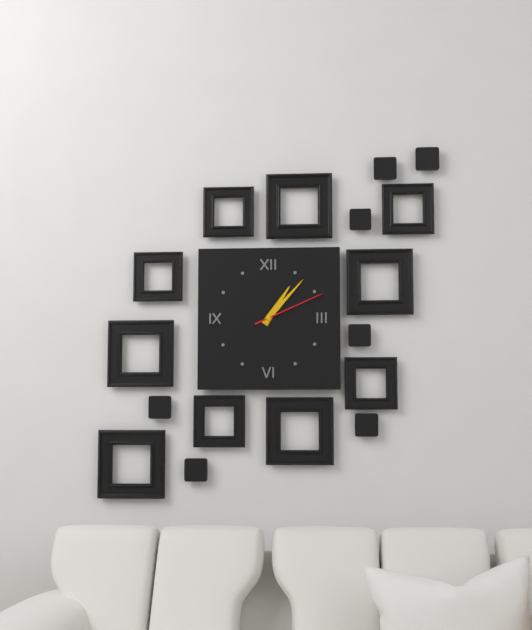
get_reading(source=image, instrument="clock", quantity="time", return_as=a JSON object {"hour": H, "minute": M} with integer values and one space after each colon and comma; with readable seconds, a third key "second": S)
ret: {"hour": 1, "minute": 7, "second": 11}
